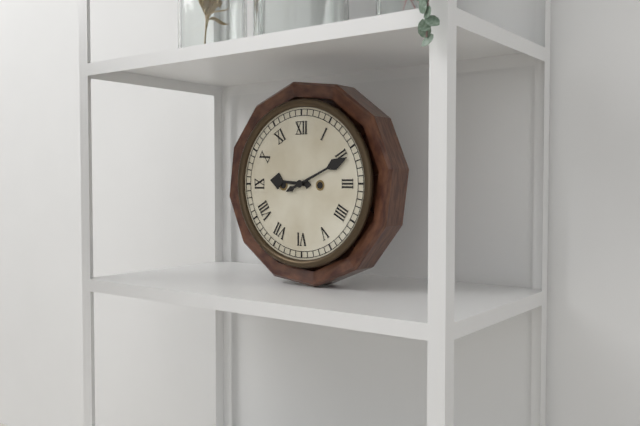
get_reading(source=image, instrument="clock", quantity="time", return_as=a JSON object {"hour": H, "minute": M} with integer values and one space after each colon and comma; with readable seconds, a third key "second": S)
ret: {"hour": 9, "minute": 11}
